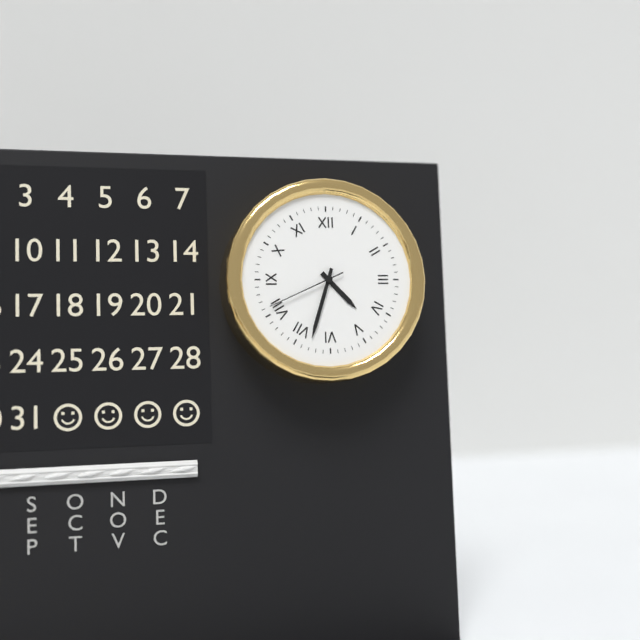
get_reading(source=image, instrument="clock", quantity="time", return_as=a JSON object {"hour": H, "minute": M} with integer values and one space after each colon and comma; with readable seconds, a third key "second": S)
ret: {"hour": 4, "minute": 33, "second": 41}
